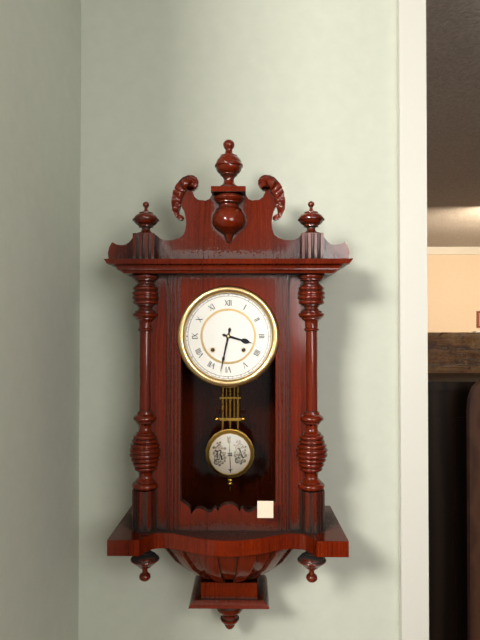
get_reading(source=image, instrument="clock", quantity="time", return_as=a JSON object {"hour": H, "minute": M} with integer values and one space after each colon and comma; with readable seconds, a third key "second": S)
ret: {"hour": 3, "minute": 32}
